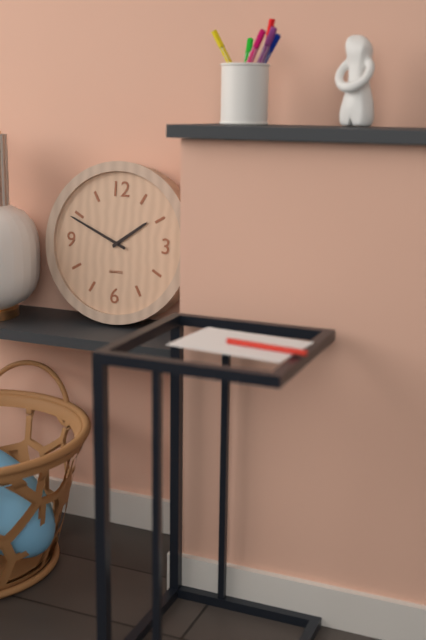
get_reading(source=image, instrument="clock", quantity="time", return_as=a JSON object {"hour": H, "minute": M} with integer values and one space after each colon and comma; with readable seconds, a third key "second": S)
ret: {"hour": 1, "minute": 49}
